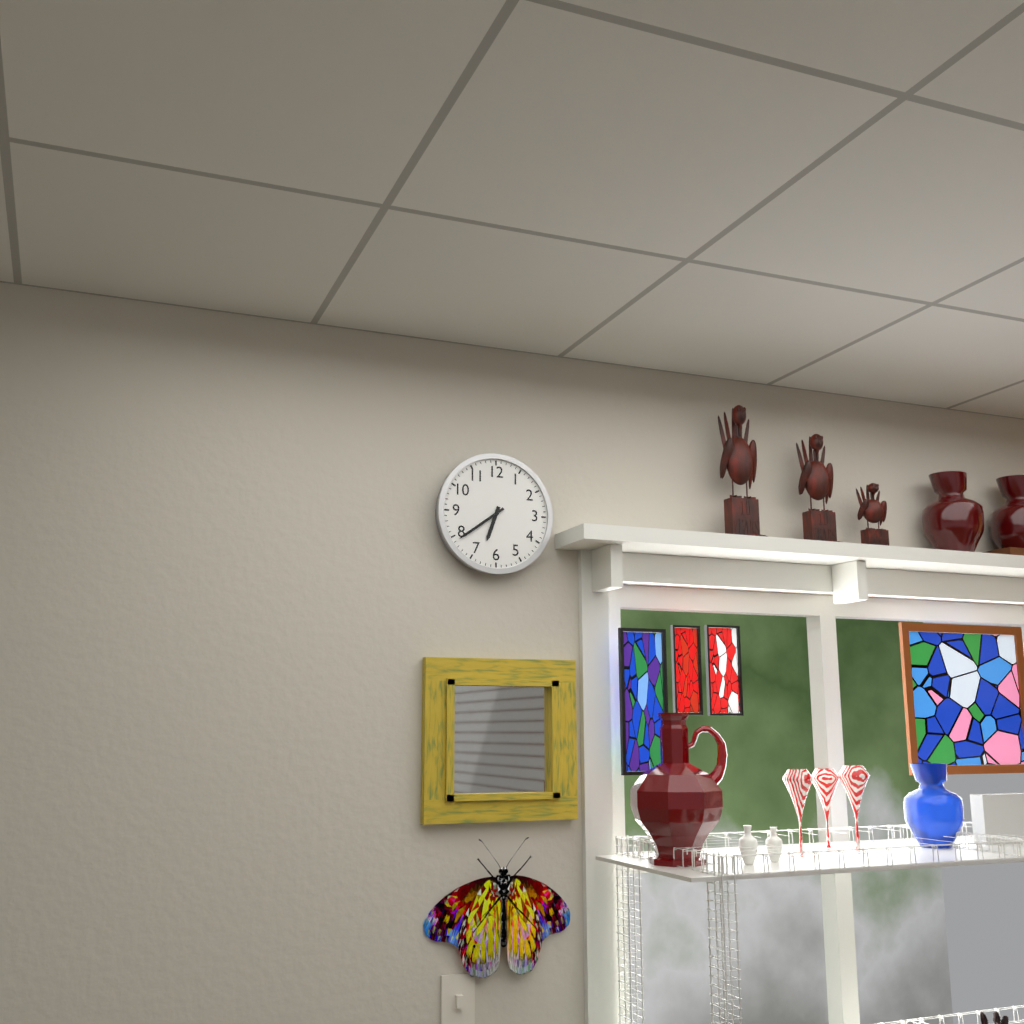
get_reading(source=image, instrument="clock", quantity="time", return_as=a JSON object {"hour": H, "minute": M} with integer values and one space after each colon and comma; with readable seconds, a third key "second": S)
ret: {"hour": 6, "minute": 39}
